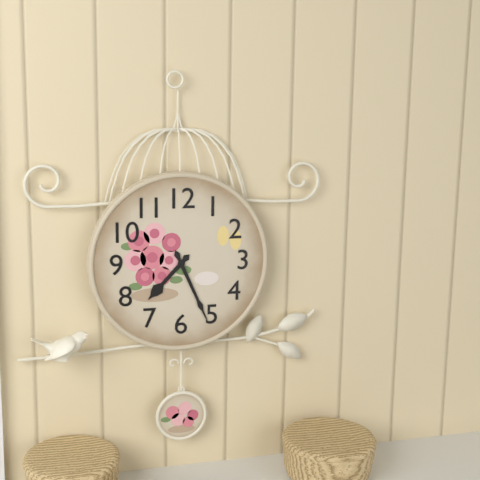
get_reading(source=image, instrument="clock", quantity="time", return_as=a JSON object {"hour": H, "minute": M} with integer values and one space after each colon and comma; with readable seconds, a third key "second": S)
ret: {"hour": 7, "minute": 26}
